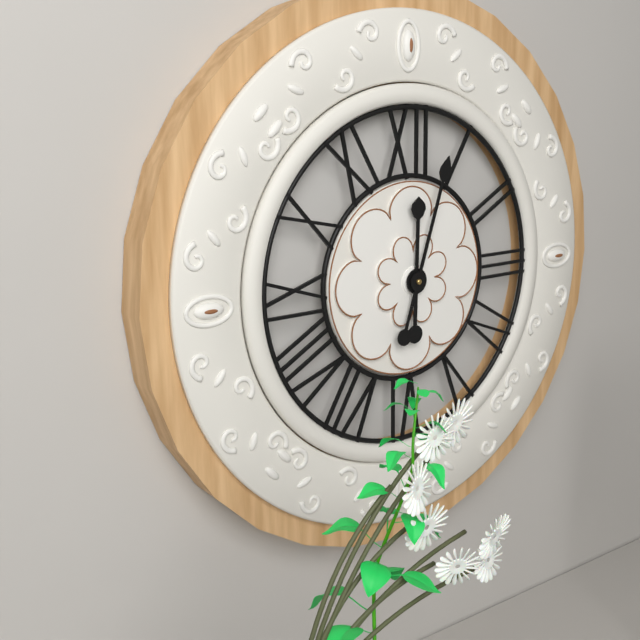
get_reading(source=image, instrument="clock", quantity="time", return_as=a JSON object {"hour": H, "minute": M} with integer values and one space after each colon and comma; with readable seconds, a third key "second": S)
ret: {"hour": 12, "minute": 3}
